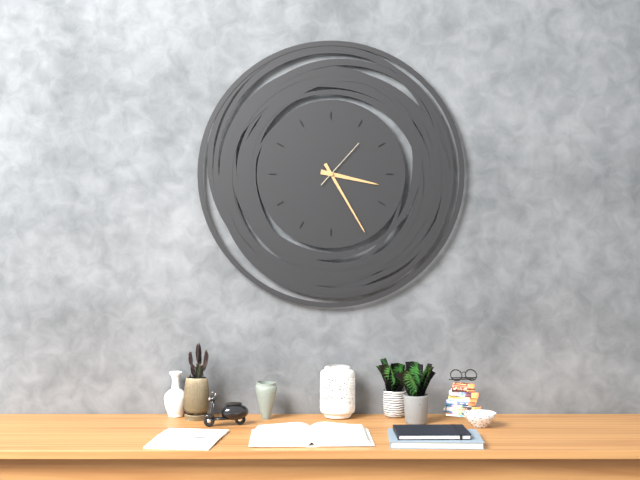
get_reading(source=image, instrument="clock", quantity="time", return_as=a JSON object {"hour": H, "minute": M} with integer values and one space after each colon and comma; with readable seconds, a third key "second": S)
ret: {"hour": 3, "minute": 25, "second": 7}
